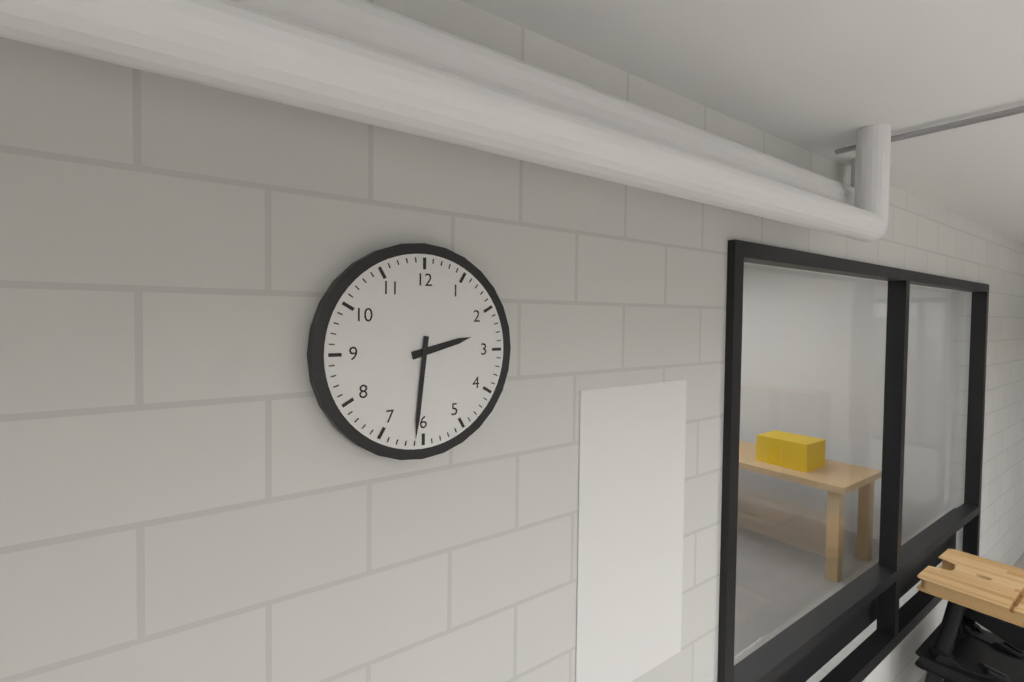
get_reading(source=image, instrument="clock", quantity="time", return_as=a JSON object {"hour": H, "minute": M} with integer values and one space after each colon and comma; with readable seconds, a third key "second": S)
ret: {"hour": 2, "minute": 31}
